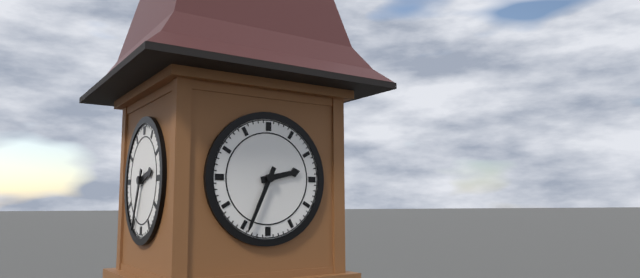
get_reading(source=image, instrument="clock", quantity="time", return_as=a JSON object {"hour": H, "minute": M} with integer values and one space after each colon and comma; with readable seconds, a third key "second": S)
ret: {"hour": 2, "minute": 34}
